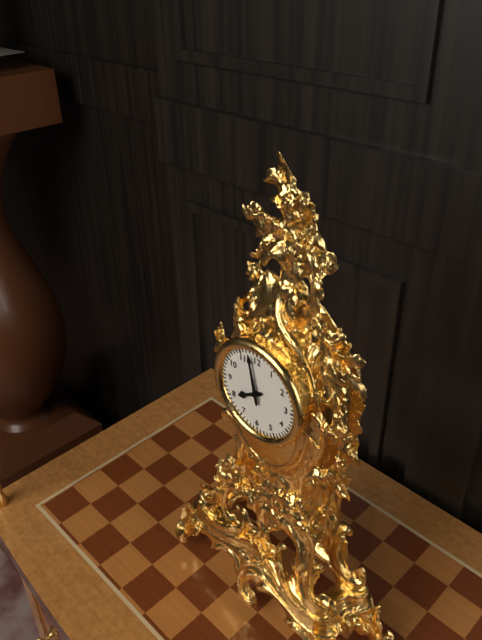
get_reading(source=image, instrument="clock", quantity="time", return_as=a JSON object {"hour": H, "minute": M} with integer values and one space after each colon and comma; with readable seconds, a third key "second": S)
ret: {"hour": 7, "minute": 58}
